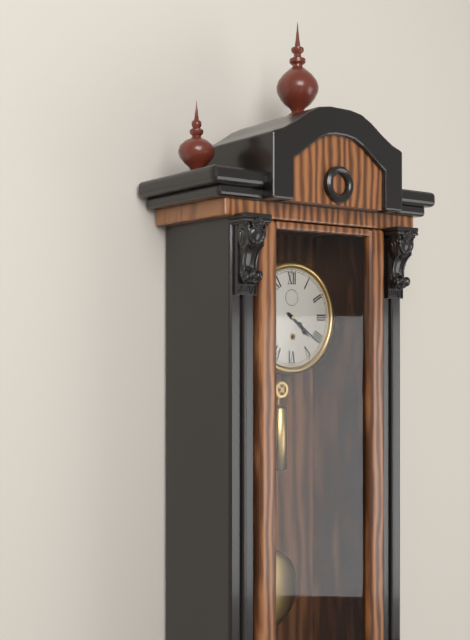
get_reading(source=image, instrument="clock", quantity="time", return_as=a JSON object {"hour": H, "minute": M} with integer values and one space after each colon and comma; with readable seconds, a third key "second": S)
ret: {"hour": 4, "minute": 21}
